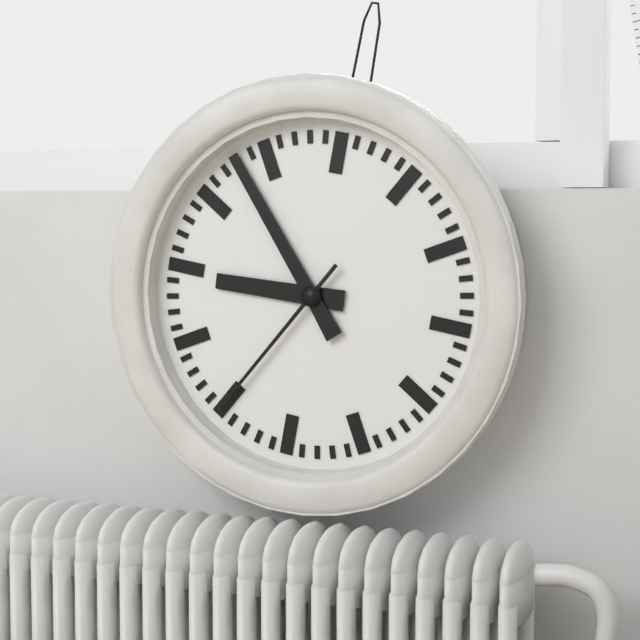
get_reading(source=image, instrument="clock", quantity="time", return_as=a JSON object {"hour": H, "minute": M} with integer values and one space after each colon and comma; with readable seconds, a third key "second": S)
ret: {"hour": 8, "minute": 53, "second": 35}
